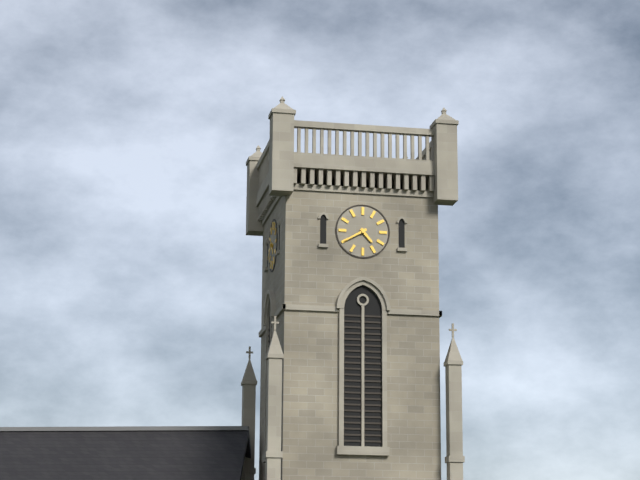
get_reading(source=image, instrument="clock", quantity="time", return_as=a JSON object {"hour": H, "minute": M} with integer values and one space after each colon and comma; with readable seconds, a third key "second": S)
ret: {"hour": 4, "minute": 40}
